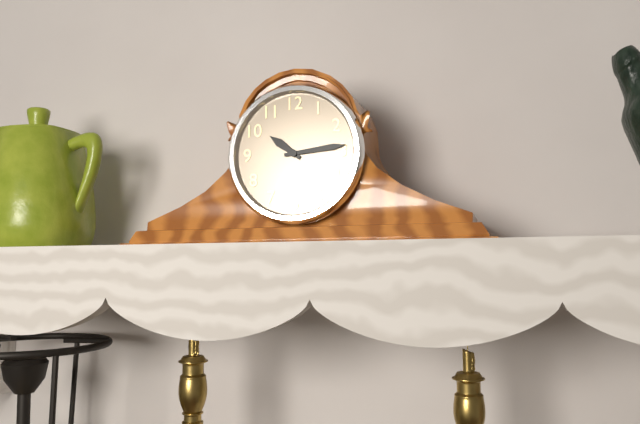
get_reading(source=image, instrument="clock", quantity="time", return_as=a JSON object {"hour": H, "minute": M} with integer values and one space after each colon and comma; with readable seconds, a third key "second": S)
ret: {"hour": 10, "minute": 14}
